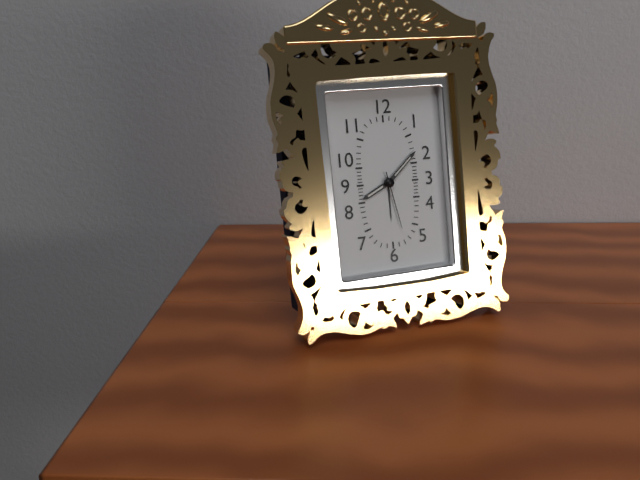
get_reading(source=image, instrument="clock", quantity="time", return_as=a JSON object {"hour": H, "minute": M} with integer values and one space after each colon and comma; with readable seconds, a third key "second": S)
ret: {"hour": 8, "minute": 8, "second": 28}
